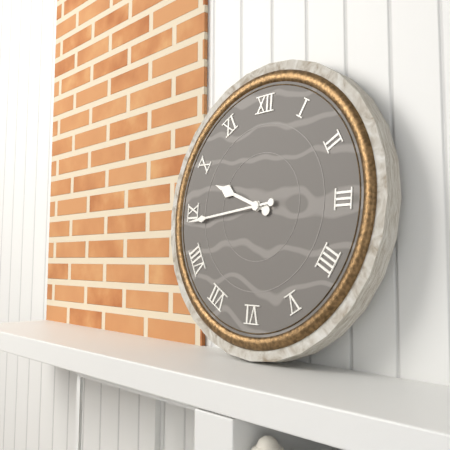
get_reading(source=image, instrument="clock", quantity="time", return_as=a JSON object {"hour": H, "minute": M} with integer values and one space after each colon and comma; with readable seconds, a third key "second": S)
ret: {"hour": 9, "minute": 44}
